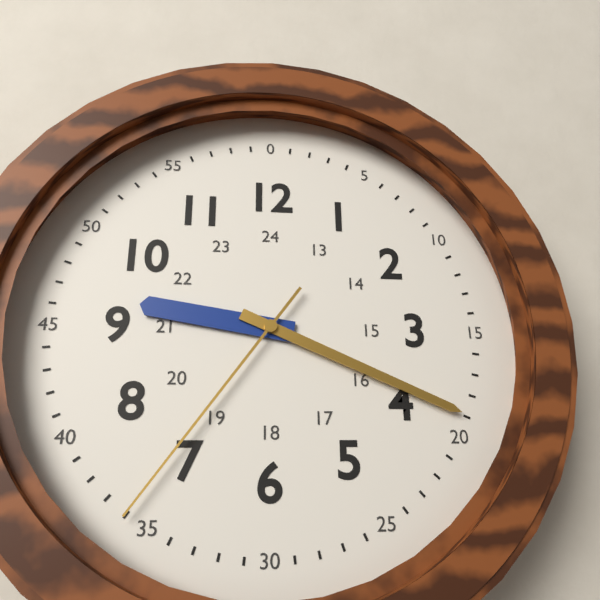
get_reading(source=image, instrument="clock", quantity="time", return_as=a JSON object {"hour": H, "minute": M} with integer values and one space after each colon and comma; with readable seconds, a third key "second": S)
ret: {"hour": 9, "minute": 19, "second": 36}
